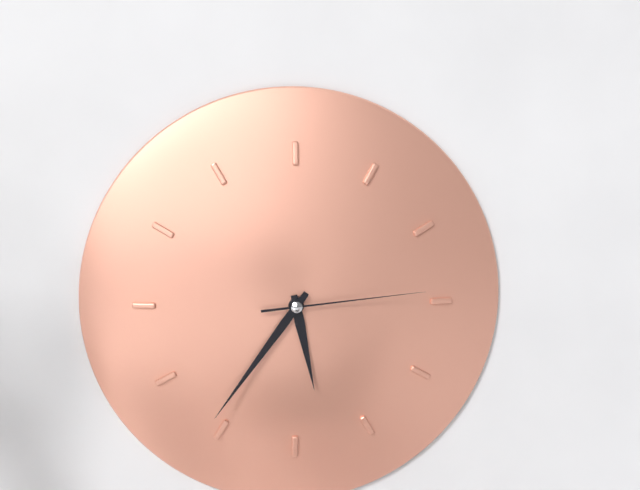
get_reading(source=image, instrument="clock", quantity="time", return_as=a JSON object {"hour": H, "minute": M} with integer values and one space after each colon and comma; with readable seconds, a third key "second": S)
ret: {"hour": 5, "minute": 36, "second": 14}
